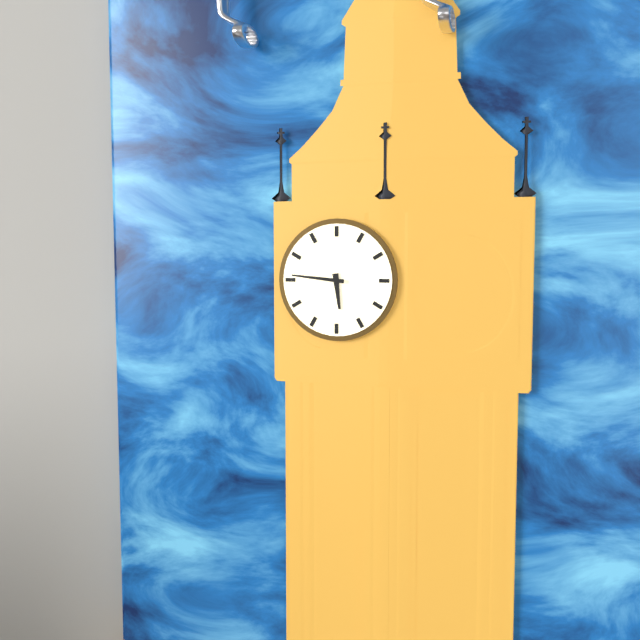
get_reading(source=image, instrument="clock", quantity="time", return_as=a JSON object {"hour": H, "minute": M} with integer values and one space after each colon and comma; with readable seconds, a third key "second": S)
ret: {"hour": 5, "minute": 46}
